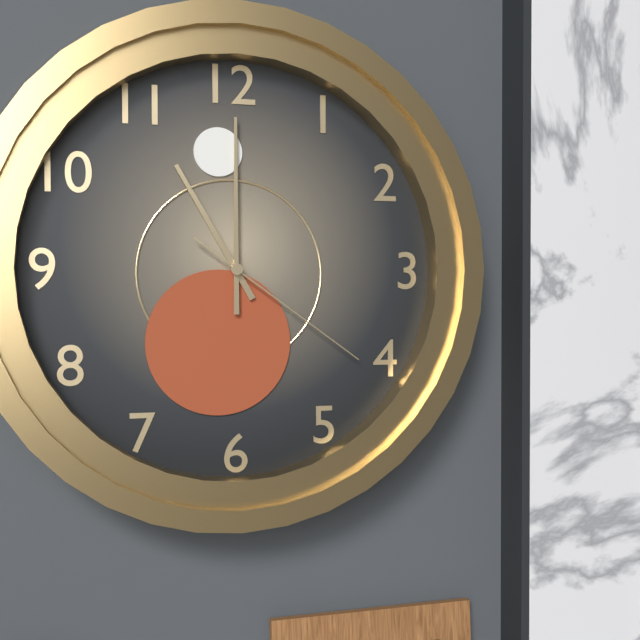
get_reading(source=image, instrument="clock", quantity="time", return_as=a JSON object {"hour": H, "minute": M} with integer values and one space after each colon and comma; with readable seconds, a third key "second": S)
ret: {"hour": 11, "minute": 0, "second": 21}
